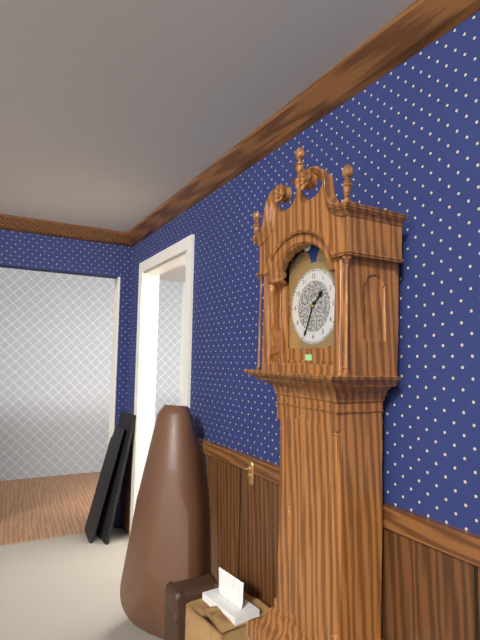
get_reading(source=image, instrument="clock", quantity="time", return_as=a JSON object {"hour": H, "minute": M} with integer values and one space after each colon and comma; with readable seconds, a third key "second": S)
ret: {"hour": 1, "minute": 34}
